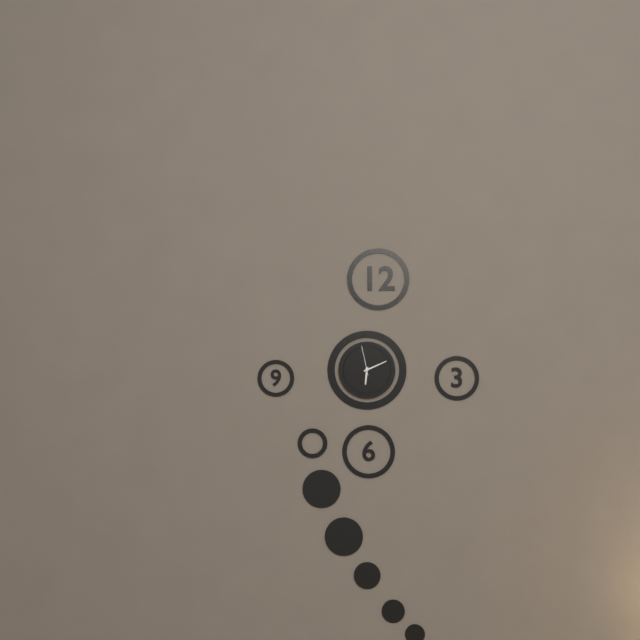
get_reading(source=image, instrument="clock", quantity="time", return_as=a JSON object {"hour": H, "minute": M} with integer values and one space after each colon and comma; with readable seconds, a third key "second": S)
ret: {"hour": 6, "minute": 11}
